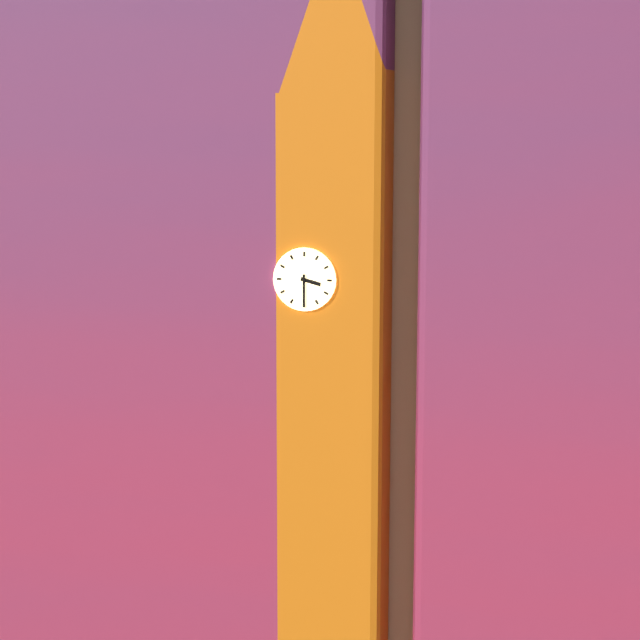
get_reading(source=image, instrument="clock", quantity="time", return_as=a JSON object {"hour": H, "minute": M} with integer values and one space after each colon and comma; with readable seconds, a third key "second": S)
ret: {"hour": 3, "minute": 30}
